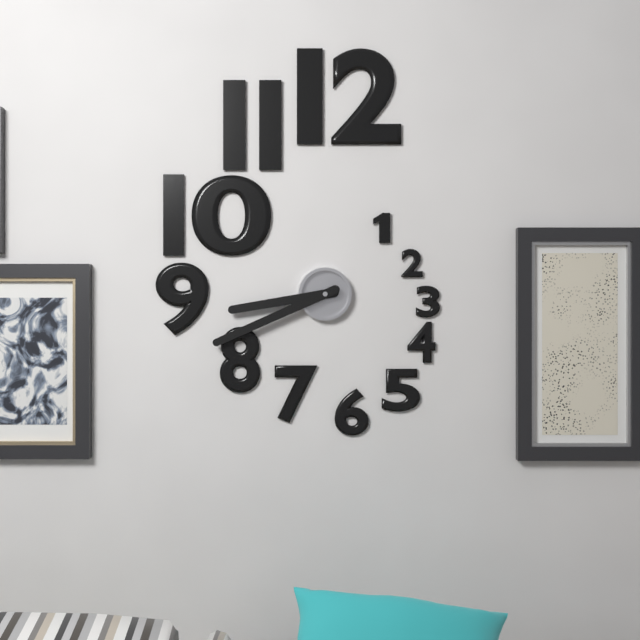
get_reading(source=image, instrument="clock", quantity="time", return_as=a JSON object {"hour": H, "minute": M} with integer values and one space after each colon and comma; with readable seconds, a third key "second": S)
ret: {"hour": 8, "minute": 41}
